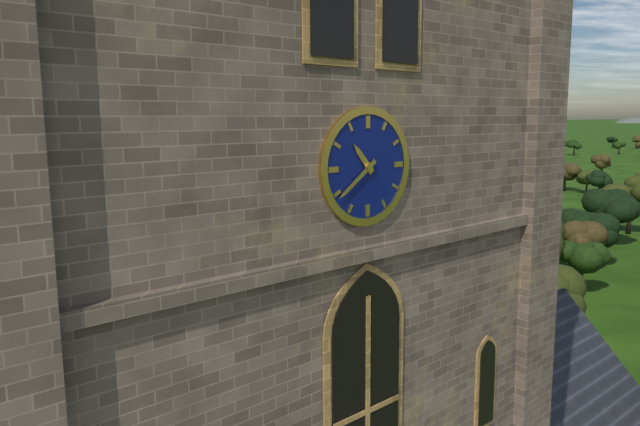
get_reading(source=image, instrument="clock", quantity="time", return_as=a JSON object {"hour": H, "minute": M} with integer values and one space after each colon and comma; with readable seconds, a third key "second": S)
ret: {"hour": 10, "minute": 39}
